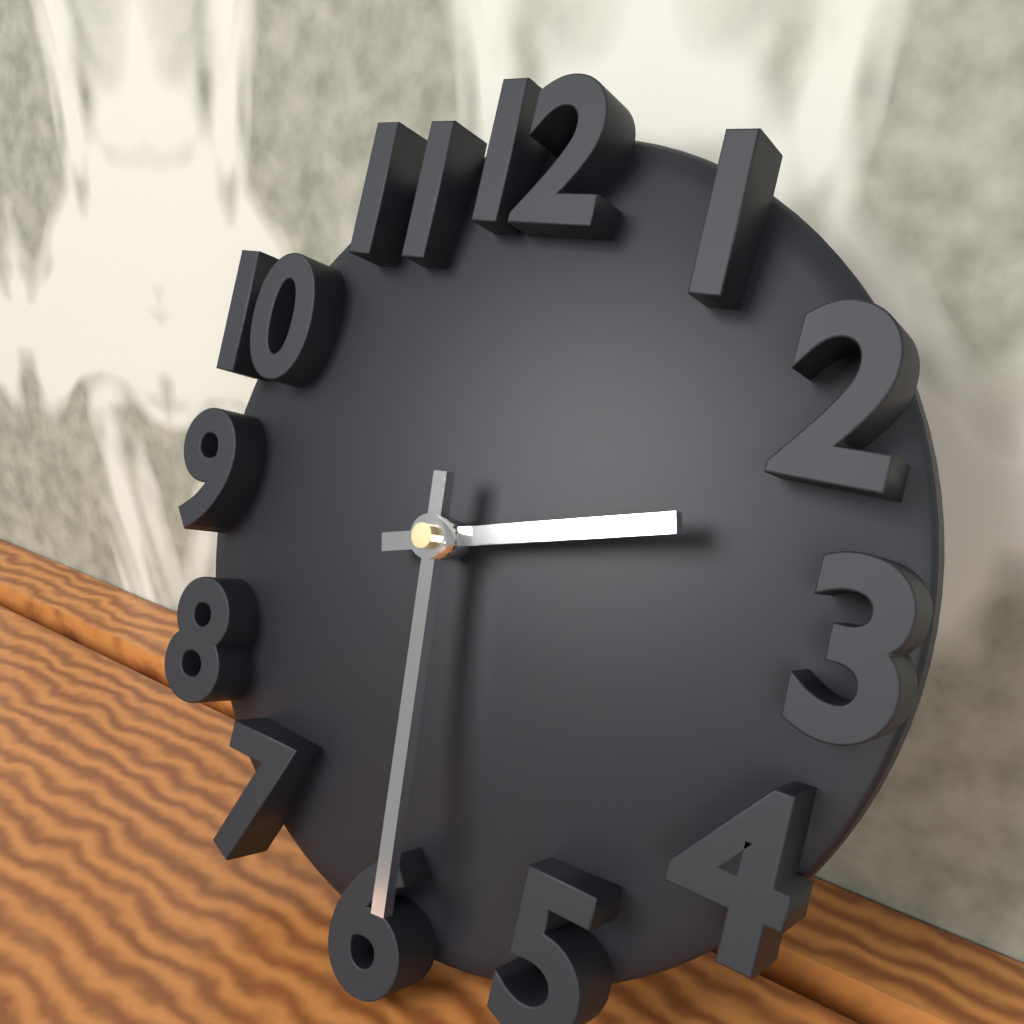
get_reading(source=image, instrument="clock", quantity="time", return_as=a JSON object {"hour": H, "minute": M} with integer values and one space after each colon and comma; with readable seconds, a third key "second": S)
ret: {"hour": 2, "minute": 29}
